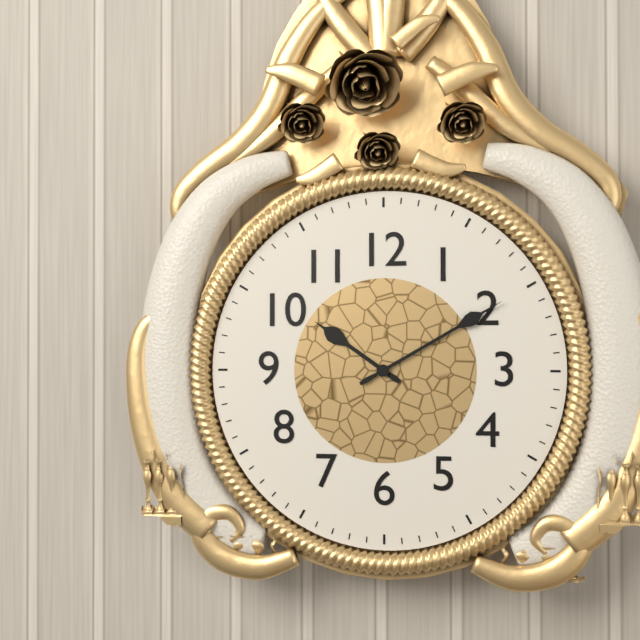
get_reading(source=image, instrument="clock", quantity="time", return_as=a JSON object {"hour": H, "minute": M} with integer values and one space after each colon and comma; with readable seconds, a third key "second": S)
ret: {"hour": 10, "minute": 10}
